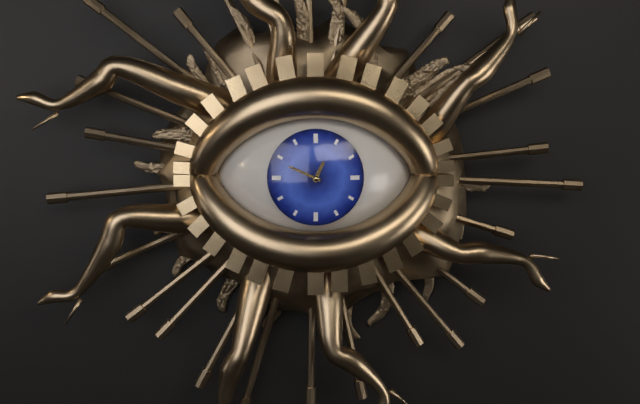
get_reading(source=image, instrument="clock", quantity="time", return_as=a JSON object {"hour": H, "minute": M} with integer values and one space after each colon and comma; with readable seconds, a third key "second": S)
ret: {"hour": 12, "minute": 49}
